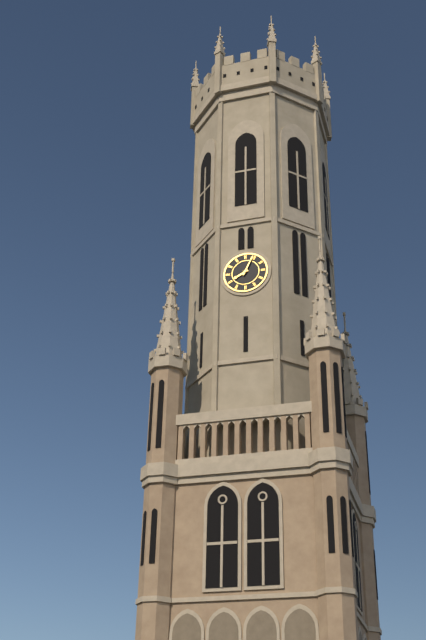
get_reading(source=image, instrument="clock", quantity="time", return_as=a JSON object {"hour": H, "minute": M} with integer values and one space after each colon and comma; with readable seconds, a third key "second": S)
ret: {"hour": 8, "minute": 4}
